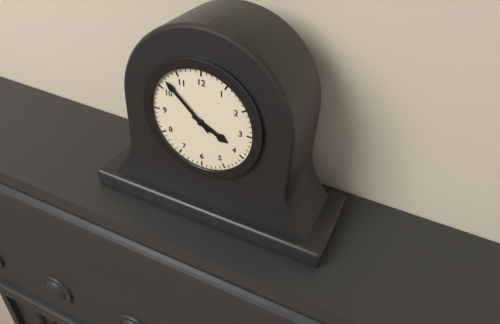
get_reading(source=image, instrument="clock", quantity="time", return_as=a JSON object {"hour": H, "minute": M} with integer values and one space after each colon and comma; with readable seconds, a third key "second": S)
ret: {"hour": 3, "minute": 52}
